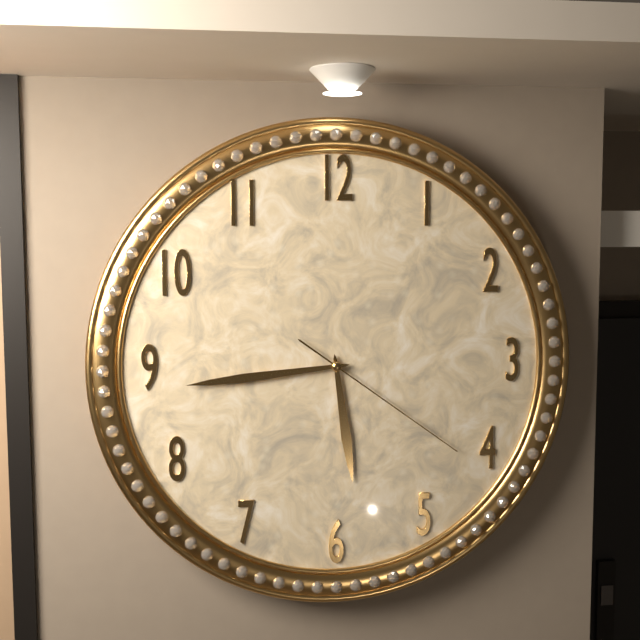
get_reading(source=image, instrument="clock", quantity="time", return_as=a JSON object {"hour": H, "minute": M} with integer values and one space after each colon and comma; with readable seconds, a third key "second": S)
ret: {"hour": 5, "minute": 44, "second": 21}
